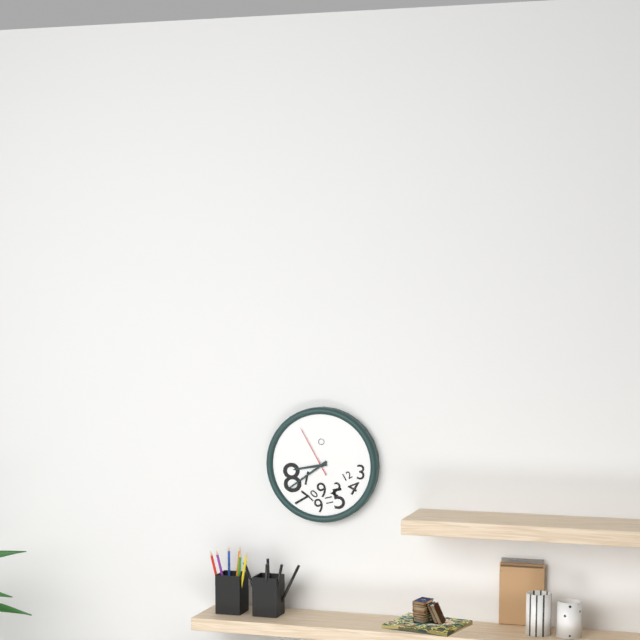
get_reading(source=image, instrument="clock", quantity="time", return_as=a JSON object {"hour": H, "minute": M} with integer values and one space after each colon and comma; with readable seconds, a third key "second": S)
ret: {"hour": 8, "minute": 39, "second": 55}
